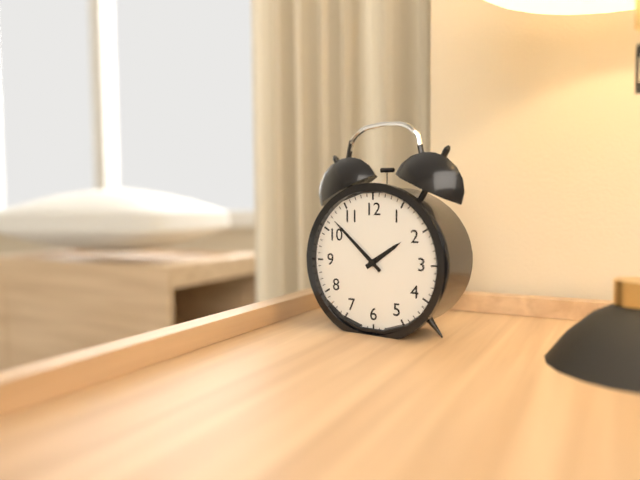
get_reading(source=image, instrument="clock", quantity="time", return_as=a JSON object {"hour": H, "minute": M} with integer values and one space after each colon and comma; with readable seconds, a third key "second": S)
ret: {"hour": 1, "minute": 52}
